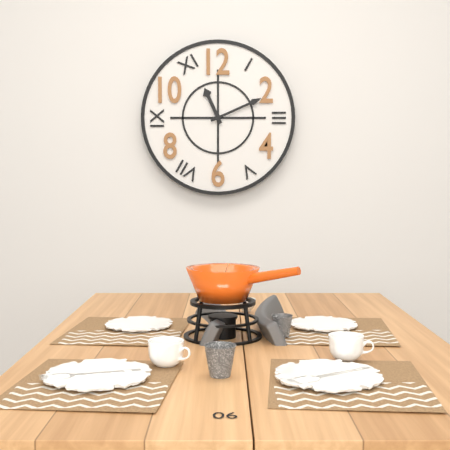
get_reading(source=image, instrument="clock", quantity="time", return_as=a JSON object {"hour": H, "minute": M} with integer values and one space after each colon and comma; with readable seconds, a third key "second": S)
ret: {"hour": 11, "minute": 11}
